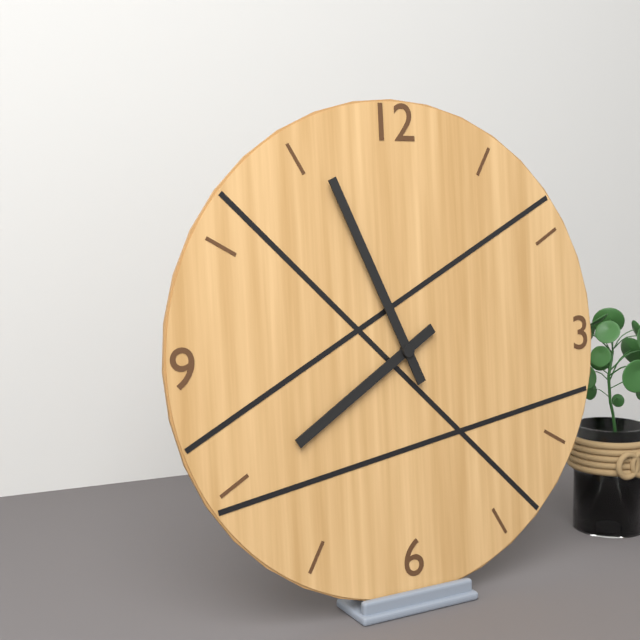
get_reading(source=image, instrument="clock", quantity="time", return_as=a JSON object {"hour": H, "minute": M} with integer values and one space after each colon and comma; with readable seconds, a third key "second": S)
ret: {"hour": 7, "minute": 56}
